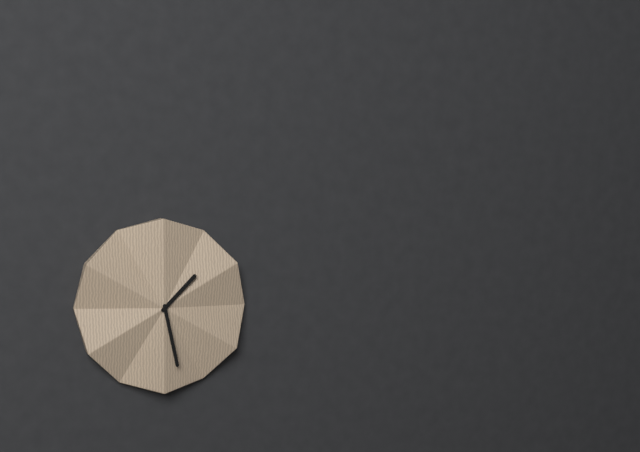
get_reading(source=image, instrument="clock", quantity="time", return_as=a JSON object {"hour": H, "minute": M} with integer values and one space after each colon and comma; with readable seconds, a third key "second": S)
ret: {"hour": 1, "minute": 28}
